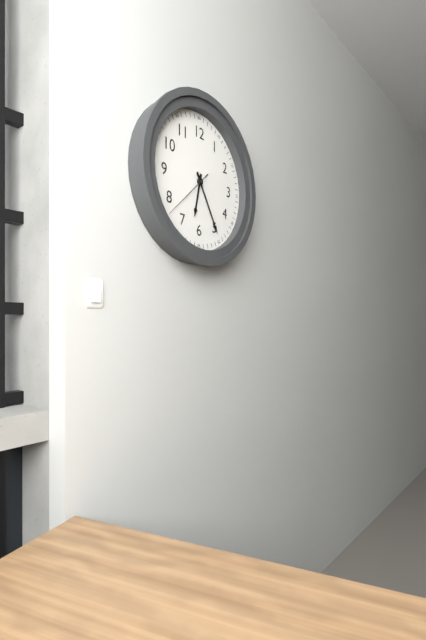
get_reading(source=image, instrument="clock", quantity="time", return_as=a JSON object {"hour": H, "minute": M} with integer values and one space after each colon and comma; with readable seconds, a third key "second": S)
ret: {"hour": 6, "minute": 25, "second": 38}
